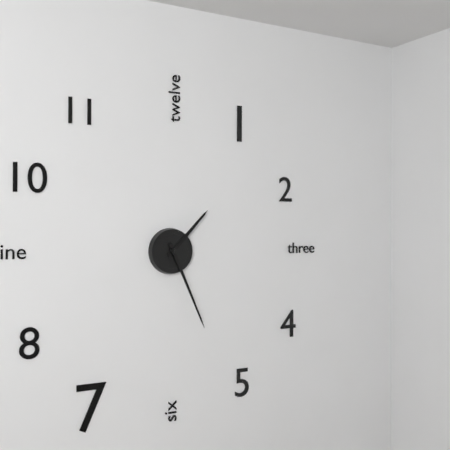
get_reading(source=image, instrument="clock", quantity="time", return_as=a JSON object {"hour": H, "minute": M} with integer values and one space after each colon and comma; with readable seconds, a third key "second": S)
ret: {"hour": 1, "minute": 26}
